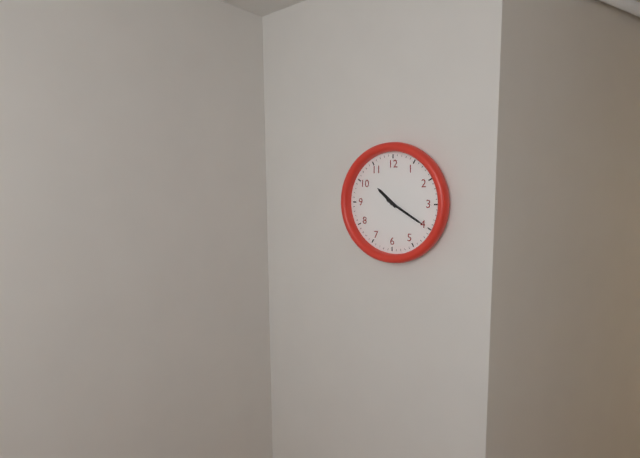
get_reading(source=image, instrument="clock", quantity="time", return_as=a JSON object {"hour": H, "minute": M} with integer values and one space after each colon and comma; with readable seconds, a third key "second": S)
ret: {"hour": 10, "minute": 20}
